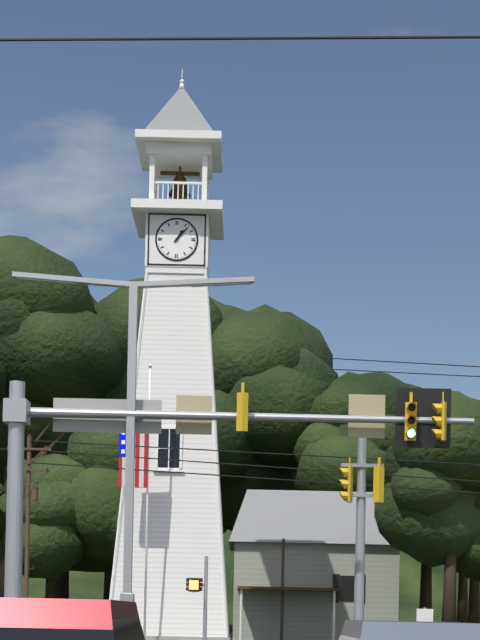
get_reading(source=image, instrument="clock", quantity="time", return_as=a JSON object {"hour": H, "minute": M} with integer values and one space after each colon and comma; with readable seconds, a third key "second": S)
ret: {"hour": 1, "minute": 7}
